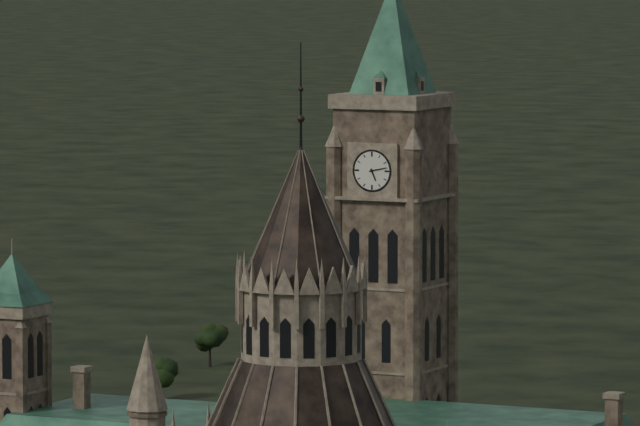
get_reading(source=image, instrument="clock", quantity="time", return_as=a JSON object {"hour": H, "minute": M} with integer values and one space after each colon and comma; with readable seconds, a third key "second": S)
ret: {"hour": 5, "minute": 13}
